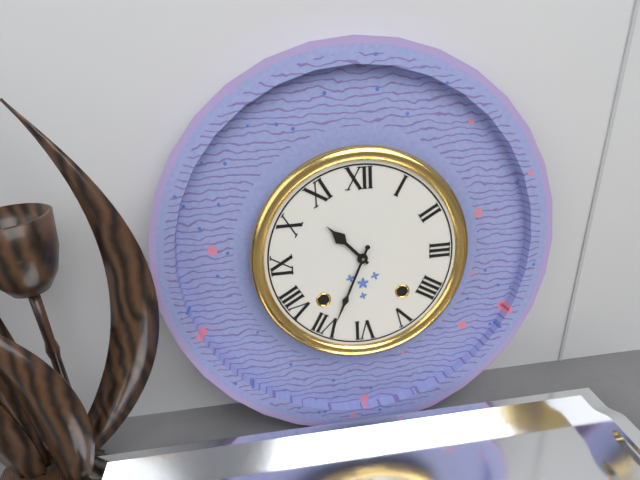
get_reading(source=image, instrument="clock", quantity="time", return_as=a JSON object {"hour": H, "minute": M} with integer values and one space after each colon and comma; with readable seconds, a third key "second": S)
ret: {"hour": 10, "minute": 34}
